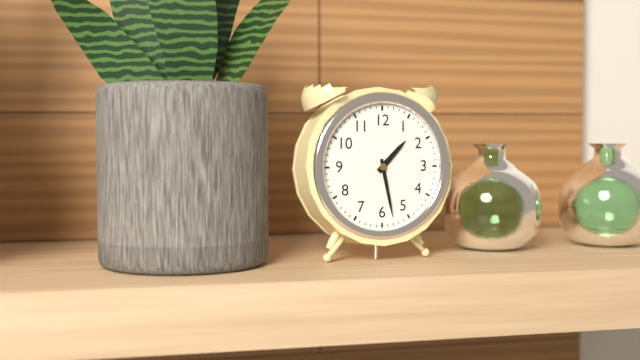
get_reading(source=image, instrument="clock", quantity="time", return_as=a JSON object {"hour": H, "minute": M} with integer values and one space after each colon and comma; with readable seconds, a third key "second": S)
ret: {"hour": 1, "minute": 28}
